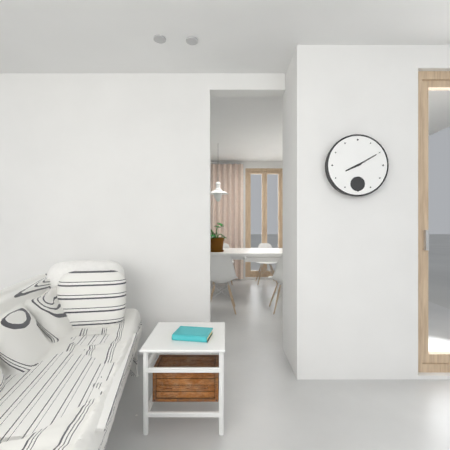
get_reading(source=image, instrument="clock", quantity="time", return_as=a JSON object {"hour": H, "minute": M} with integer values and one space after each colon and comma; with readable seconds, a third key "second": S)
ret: {"hour": 8, "minute": 10}
